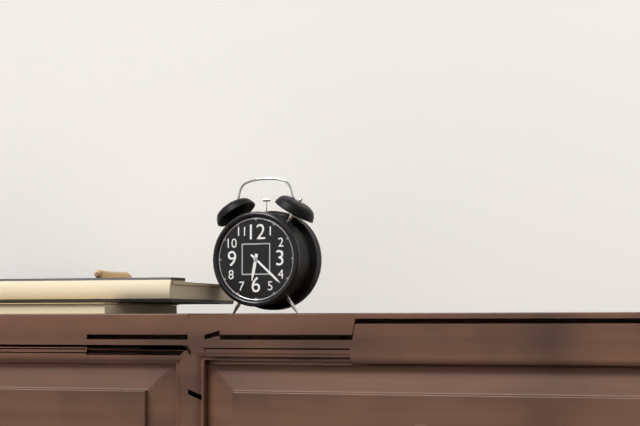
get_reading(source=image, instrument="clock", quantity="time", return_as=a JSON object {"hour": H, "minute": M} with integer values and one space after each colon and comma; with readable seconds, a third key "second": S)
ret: {"hour": 6, "minute": 22}
